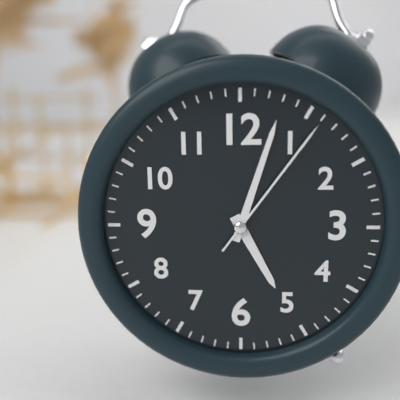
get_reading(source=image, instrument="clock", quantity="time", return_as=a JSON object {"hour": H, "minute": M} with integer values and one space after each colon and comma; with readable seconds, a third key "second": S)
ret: {"hour": 5, "minute": 3, "second": 6}
